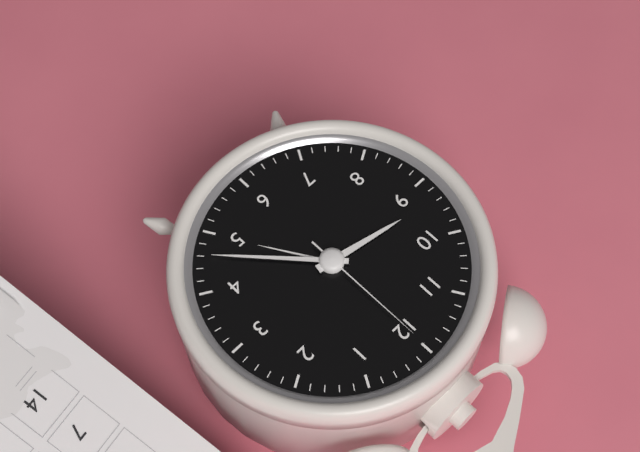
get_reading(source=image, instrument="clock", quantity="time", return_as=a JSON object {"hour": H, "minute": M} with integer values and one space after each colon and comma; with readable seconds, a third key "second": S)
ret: {"hour": 9, "minute": 23, "second": 0}
